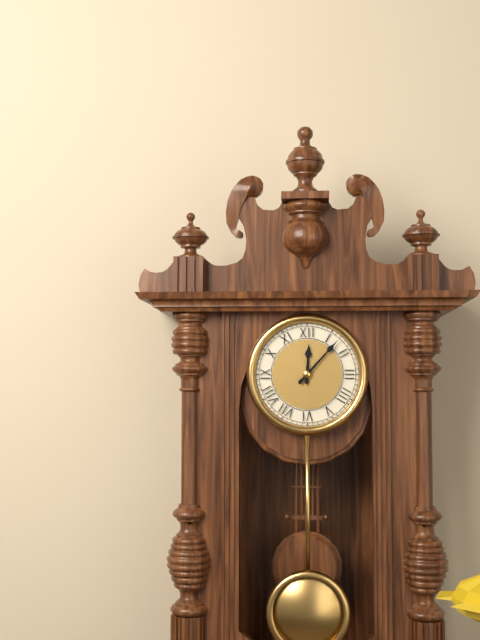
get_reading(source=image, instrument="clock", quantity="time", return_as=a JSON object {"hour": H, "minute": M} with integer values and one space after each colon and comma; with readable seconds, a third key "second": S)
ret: {"hour": 12, "minute": 7}
